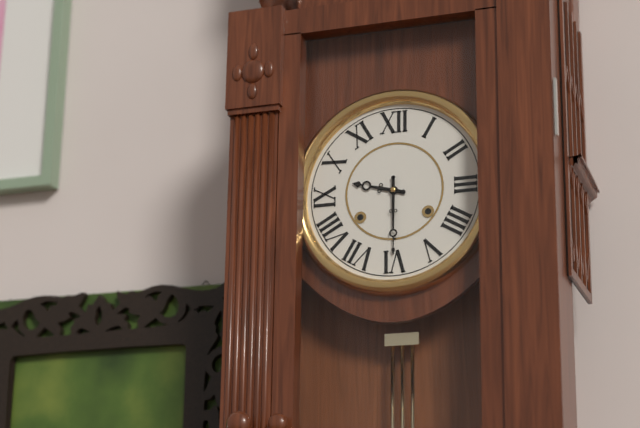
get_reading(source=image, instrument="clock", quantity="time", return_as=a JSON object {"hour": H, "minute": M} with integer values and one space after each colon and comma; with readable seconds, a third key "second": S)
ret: {"hour": 9, "minute": 30}
